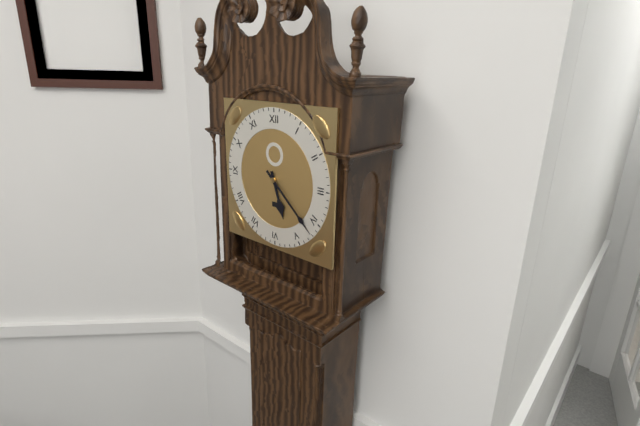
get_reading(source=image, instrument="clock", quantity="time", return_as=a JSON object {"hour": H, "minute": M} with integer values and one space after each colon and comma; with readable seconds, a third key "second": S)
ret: {"hour": 5, "minute": 22}
